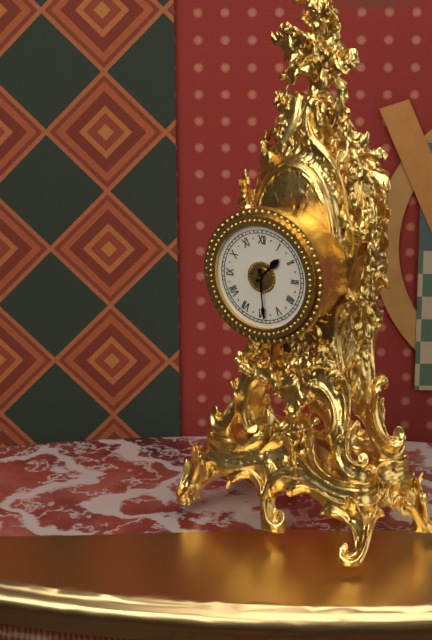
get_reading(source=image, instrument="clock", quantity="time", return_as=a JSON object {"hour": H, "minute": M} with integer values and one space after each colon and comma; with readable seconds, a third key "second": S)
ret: {"hour": 1, "minute": 29}
